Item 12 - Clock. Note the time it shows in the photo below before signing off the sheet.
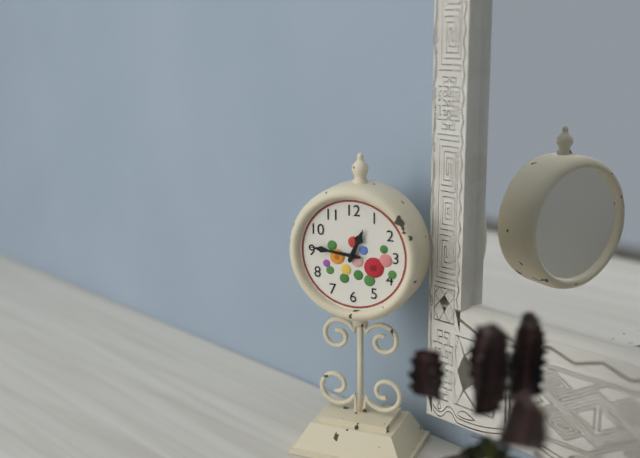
12:46
